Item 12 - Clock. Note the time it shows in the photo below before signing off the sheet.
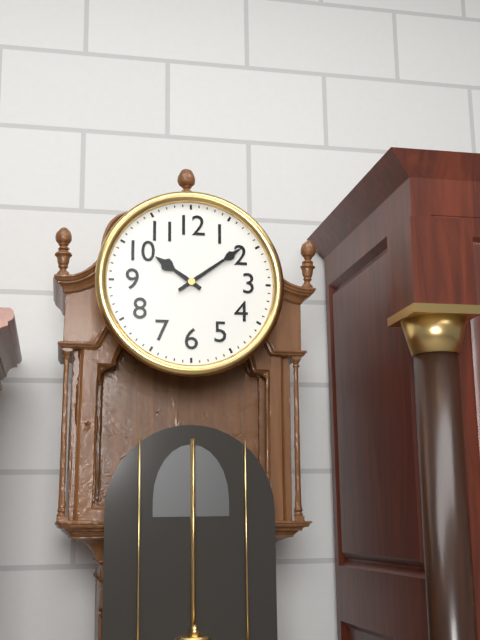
10:09
